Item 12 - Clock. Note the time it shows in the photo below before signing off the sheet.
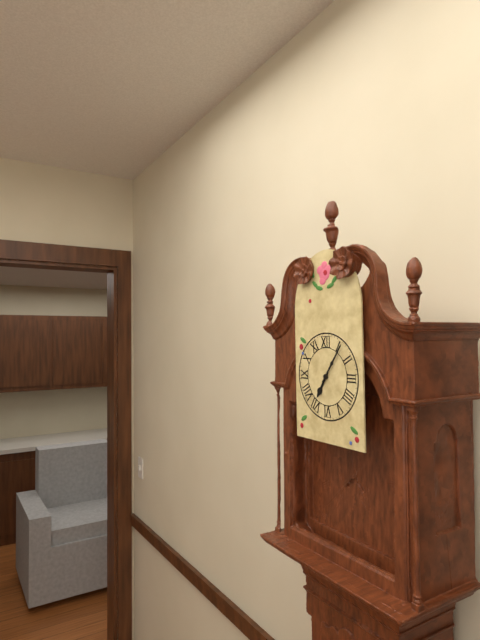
7:06
